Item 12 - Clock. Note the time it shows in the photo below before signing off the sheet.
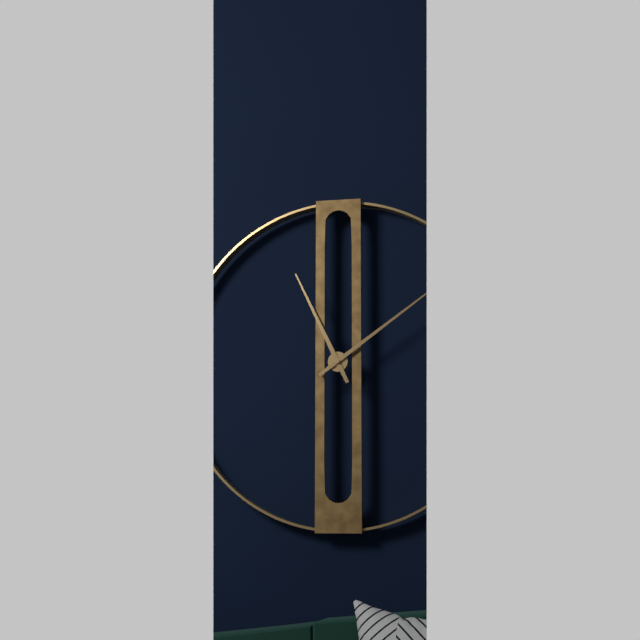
11:09
